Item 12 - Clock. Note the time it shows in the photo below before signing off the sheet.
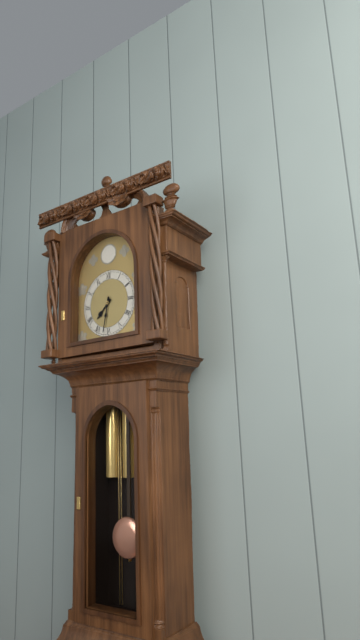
7:32
